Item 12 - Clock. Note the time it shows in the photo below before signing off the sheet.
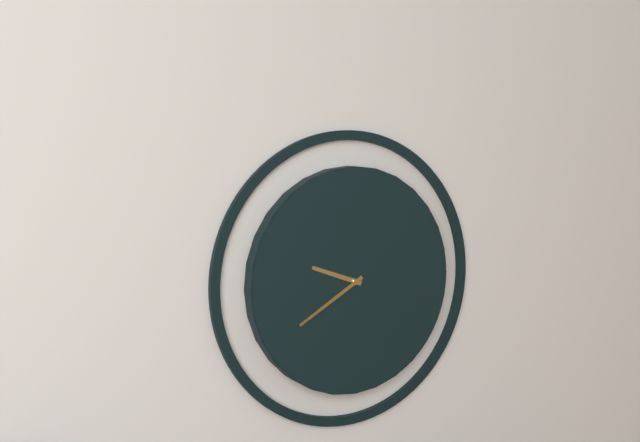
9:40
